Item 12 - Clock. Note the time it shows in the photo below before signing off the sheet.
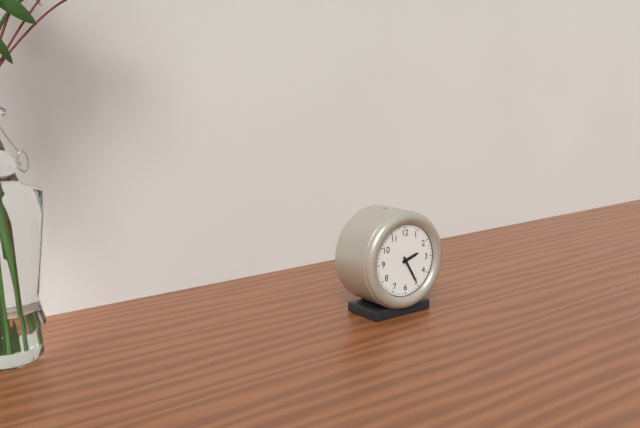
2:25
